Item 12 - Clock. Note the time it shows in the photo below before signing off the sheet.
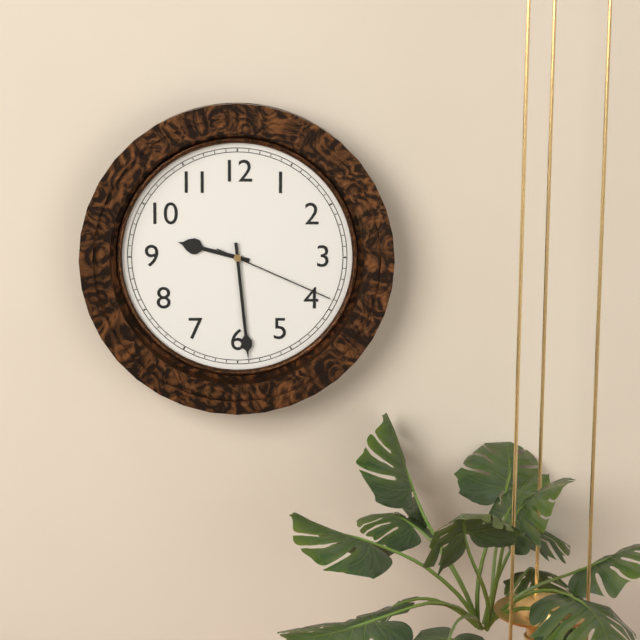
9:29:19
